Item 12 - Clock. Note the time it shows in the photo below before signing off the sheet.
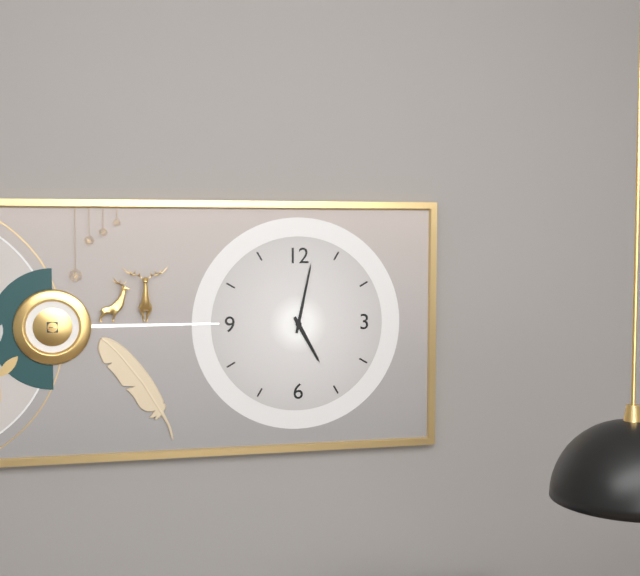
5:02
